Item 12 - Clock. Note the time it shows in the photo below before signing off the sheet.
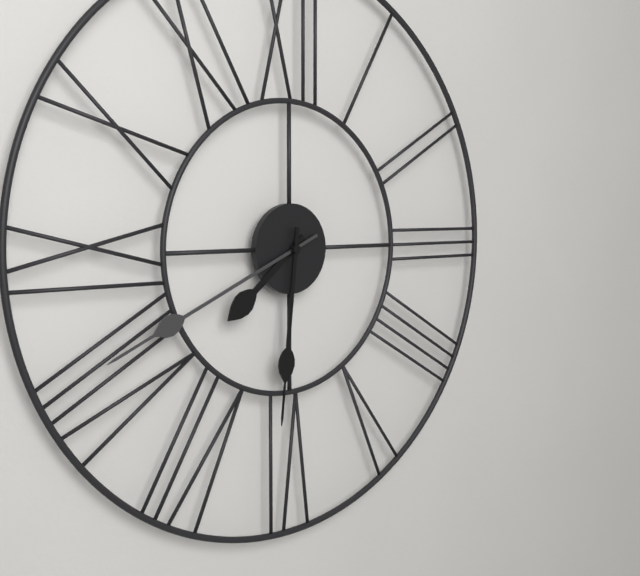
7:41:31
